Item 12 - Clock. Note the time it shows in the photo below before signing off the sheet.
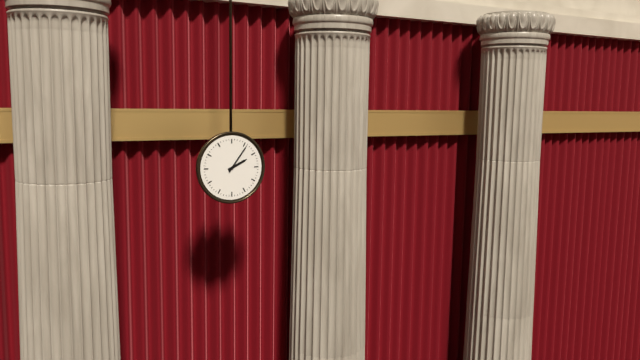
2:06
